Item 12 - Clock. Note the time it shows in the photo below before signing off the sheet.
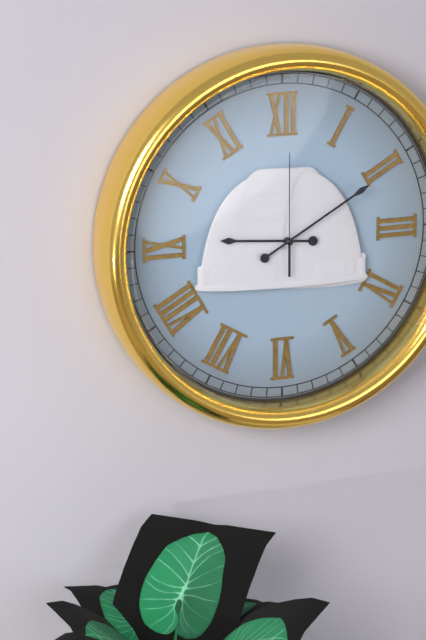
9:10:00
